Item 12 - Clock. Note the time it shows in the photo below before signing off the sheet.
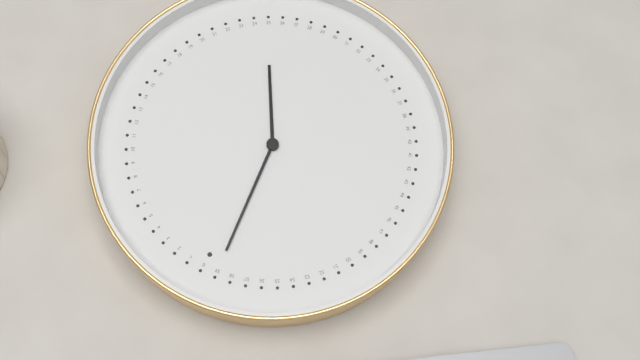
4:59
